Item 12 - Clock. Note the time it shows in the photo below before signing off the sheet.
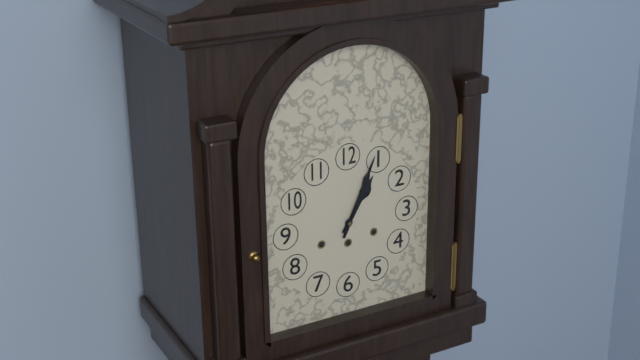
1:04
